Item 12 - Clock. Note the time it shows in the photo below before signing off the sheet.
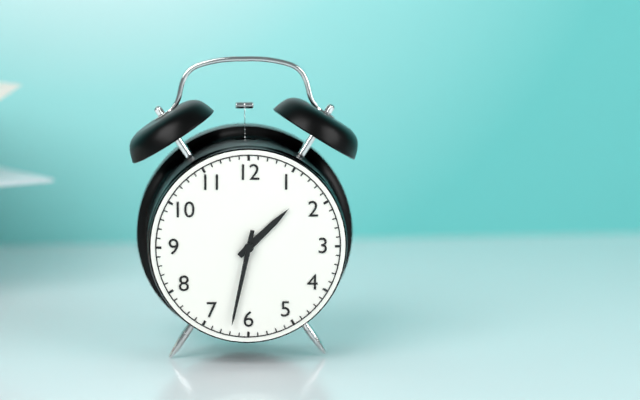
1:32
